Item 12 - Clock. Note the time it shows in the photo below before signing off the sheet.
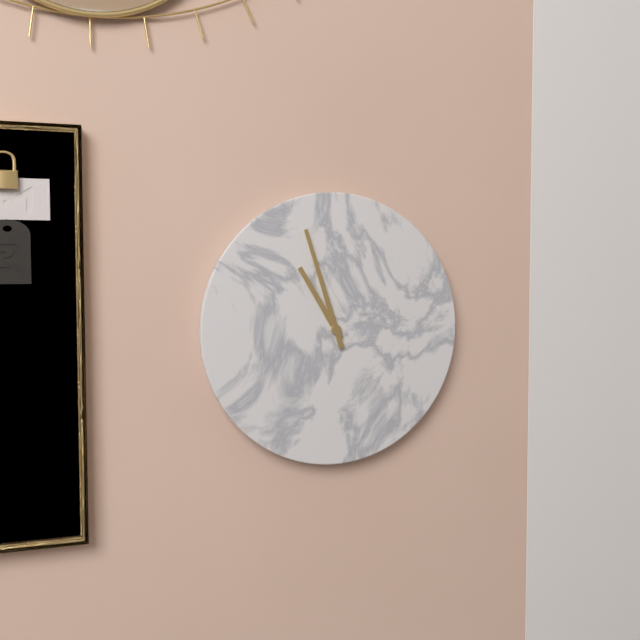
10:57
